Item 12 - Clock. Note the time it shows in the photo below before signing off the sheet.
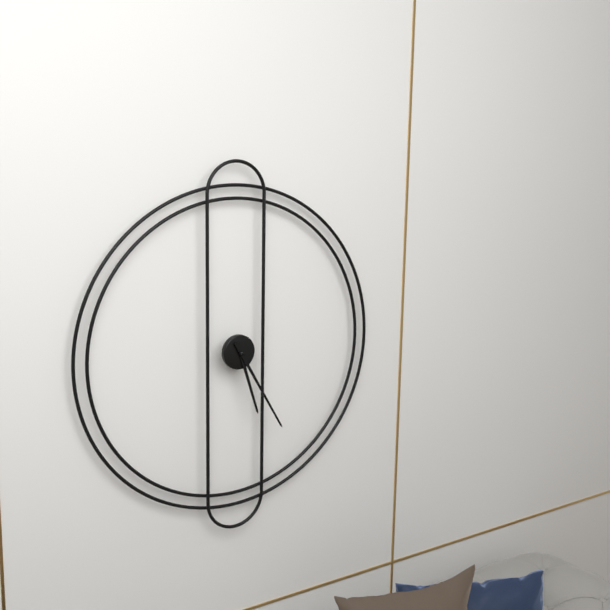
5:25
